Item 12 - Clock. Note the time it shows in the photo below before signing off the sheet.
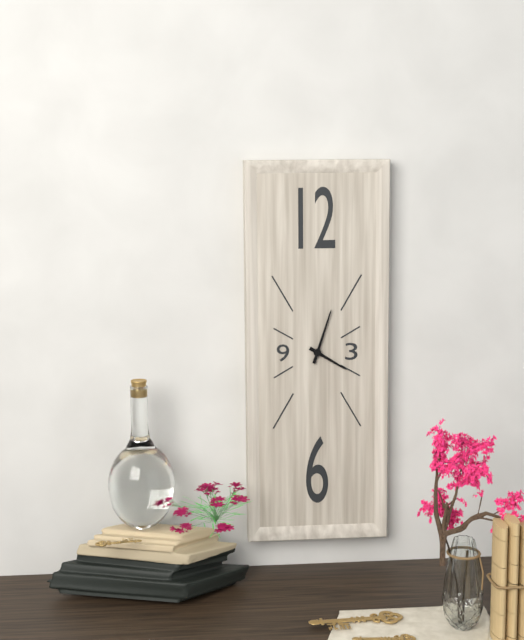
4:03
